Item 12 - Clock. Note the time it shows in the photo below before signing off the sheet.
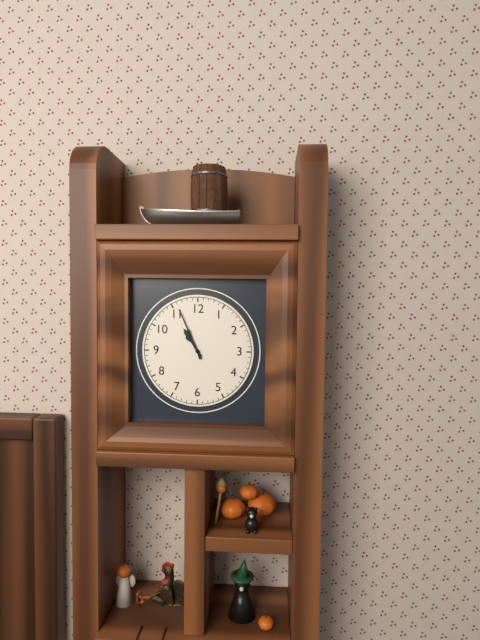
10:56
